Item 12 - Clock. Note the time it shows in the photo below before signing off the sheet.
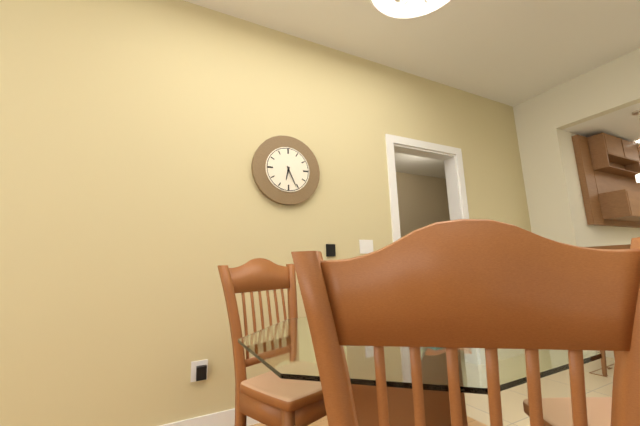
6:26
